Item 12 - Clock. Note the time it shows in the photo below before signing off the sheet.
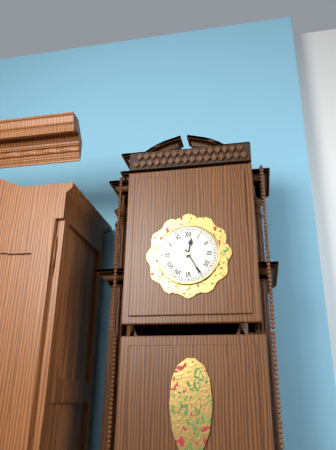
12:25
